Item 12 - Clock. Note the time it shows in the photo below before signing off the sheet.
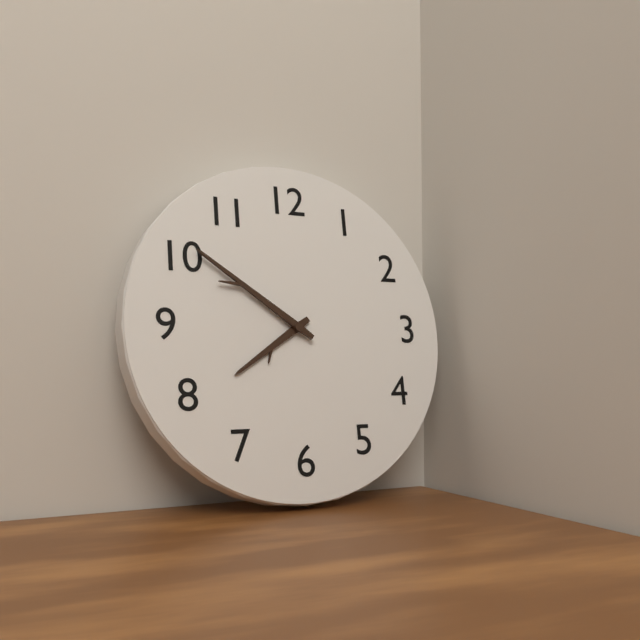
7:51
